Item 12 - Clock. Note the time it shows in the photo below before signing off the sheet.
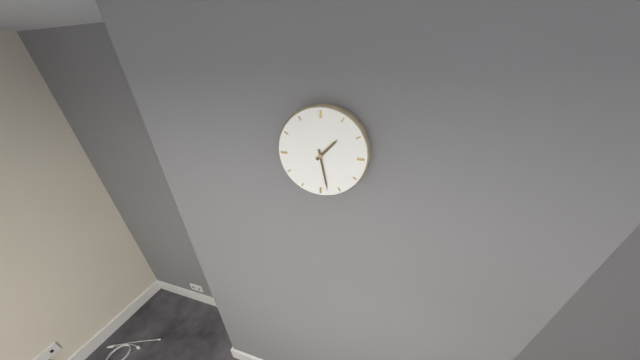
1:28
